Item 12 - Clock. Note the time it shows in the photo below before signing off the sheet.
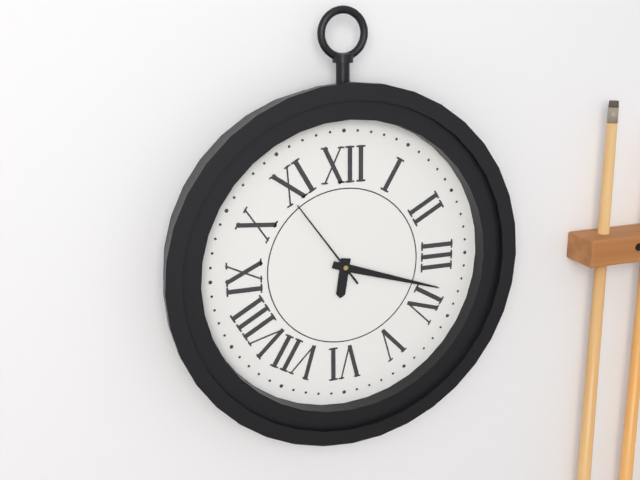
6:18:54
